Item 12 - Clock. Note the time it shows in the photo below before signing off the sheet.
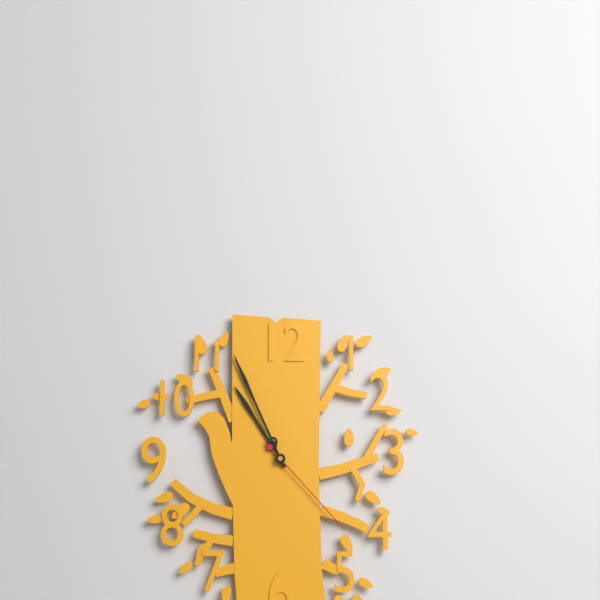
10:56:23
